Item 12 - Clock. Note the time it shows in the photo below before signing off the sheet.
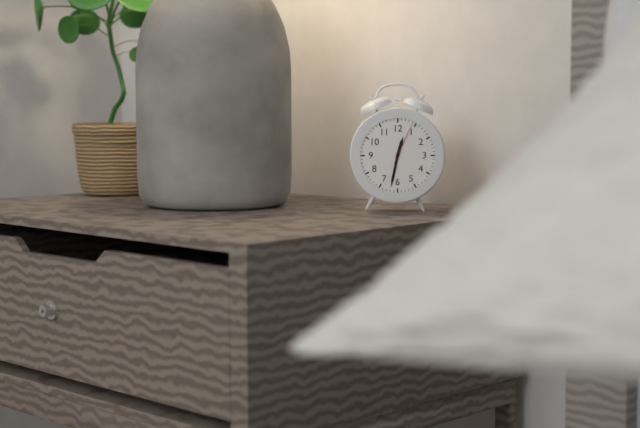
12:32
